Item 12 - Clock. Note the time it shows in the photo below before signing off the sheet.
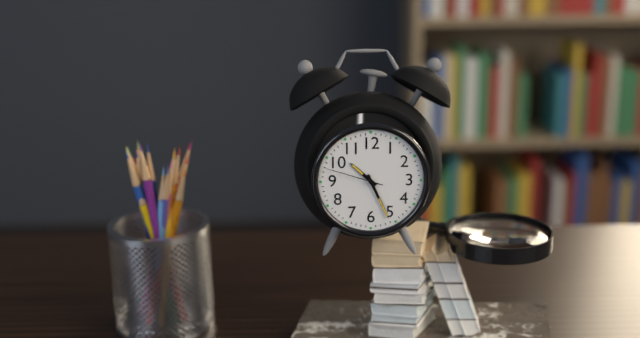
10:26:48
